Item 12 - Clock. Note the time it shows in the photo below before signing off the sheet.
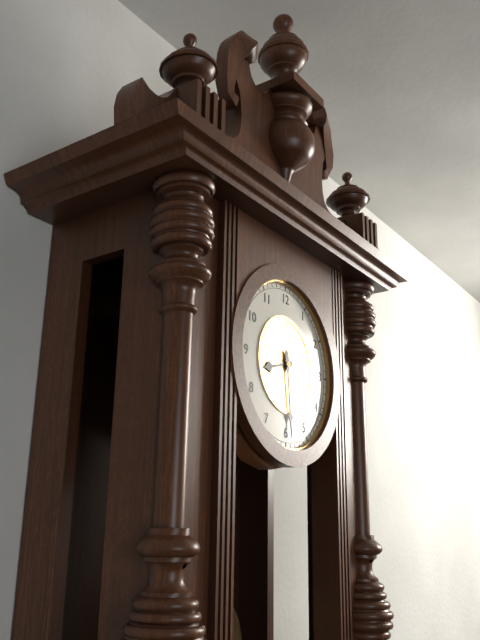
8:29
